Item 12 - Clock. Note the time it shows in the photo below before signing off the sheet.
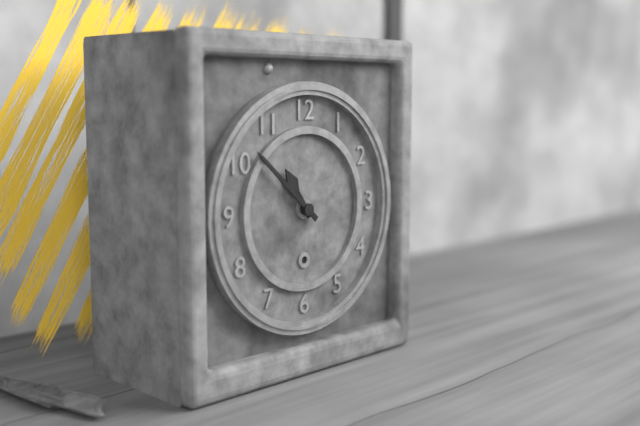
10:52
